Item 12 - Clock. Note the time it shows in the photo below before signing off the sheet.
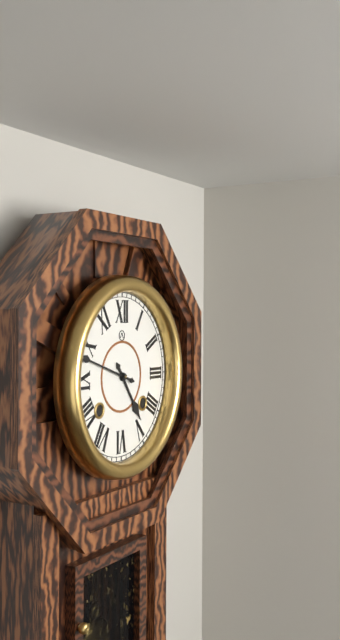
4:48
